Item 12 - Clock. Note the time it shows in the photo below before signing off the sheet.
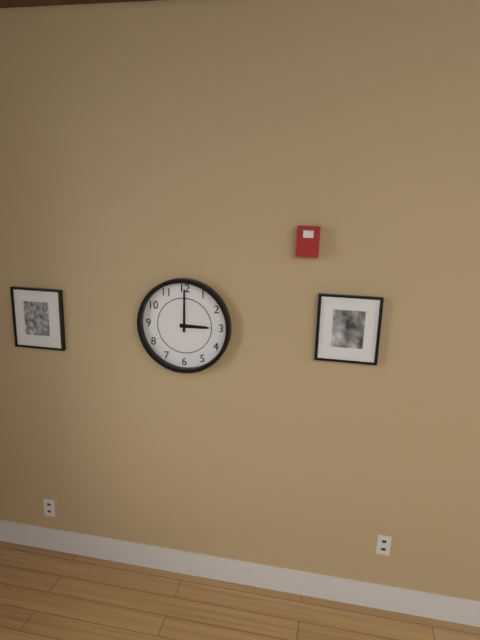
3:00
